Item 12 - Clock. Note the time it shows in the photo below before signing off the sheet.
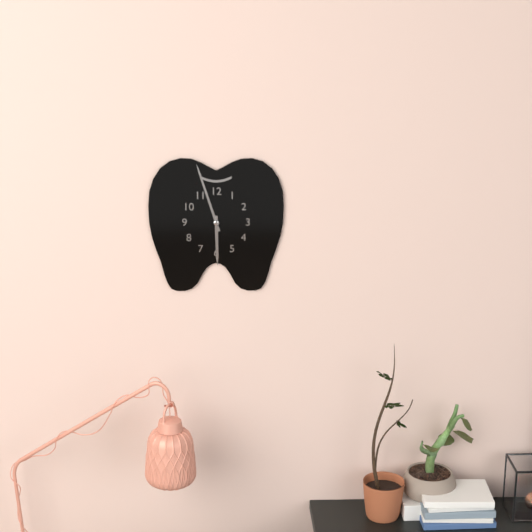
5:57
